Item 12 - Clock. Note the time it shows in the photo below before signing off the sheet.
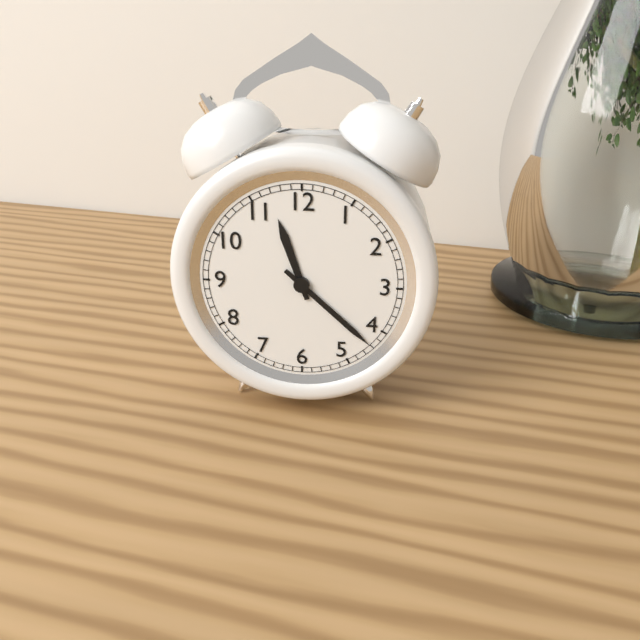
11:22
